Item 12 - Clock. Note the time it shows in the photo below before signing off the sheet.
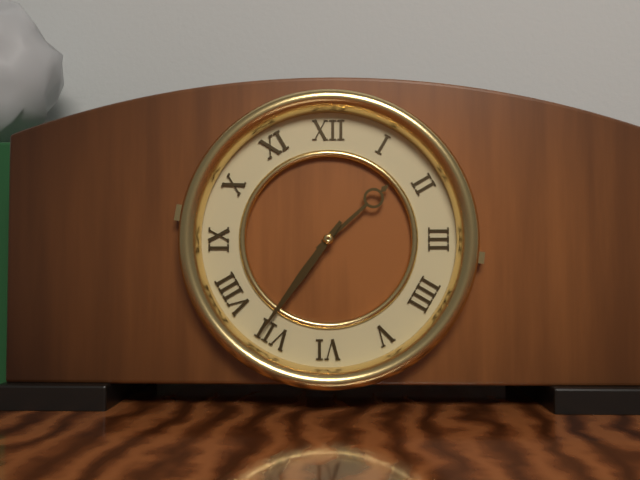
1:36
